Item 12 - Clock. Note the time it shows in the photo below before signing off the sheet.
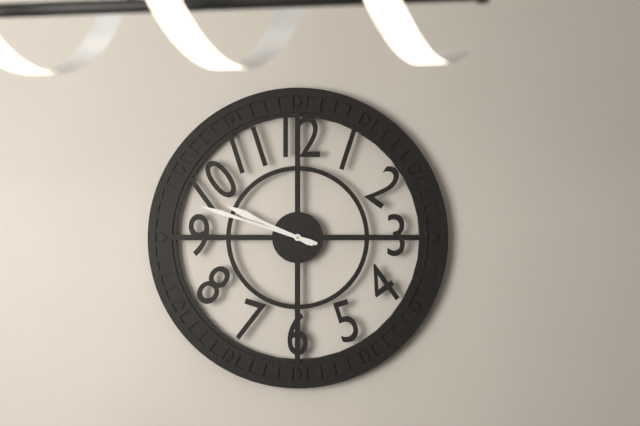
9:48
